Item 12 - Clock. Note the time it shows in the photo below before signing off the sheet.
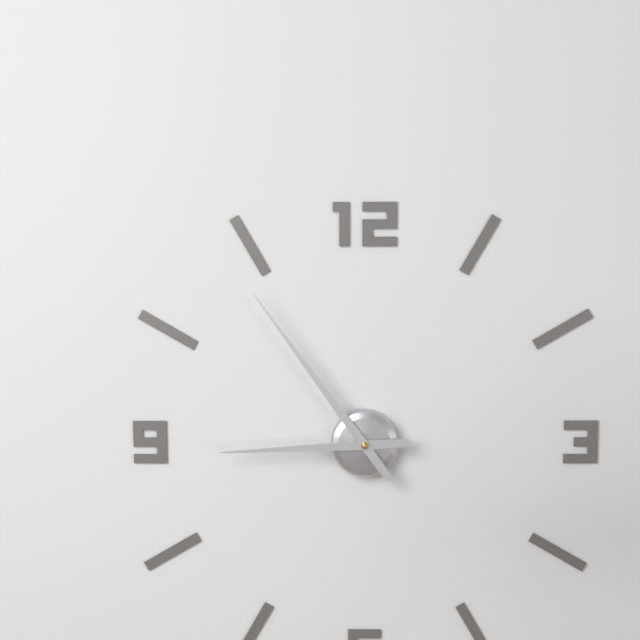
8:54
